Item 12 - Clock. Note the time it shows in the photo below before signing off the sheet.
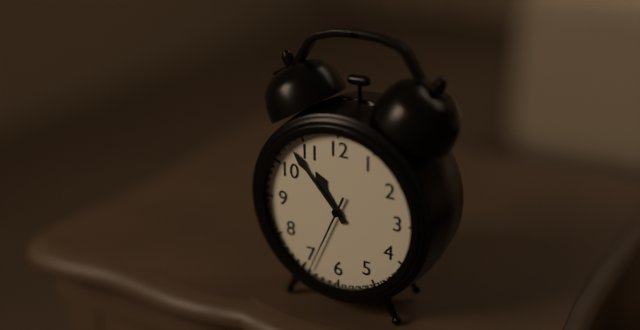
10:53:34
